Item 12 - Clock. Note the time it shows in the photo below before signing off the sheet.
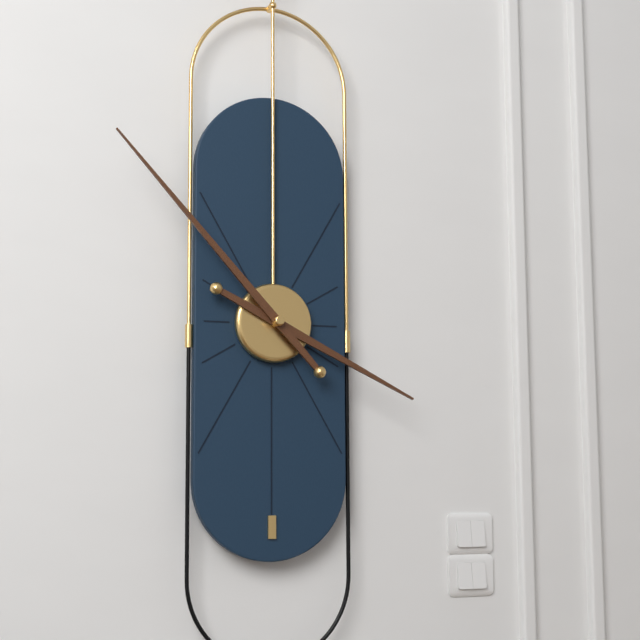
3:53
